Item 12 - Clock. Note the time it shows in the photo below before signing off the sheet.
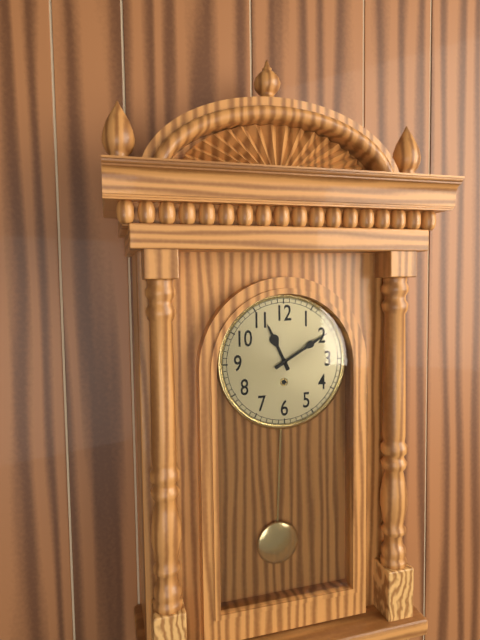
11:10
